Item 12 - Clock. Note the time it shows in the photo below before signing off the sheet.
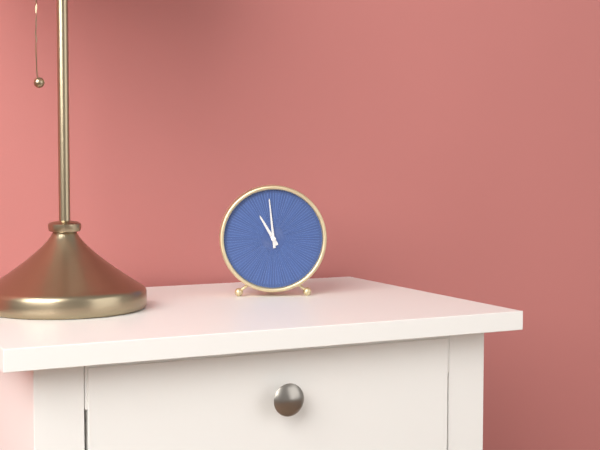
10:59
